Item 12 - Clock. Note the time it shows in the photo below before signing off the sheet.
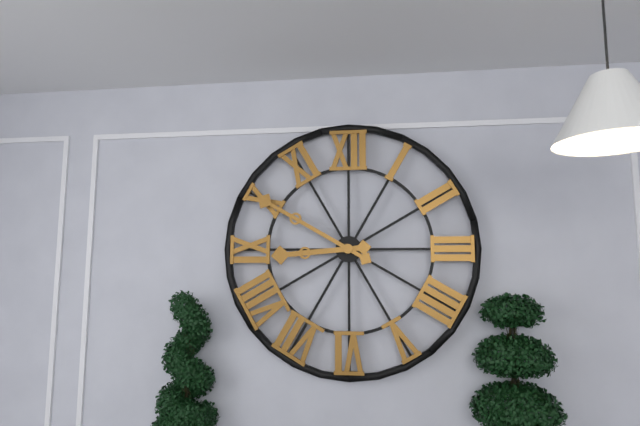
8:50
